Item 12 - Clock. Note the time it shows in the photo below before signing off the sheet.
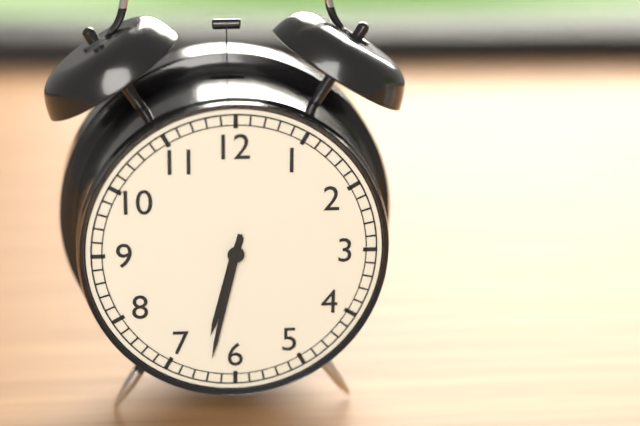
6:32
